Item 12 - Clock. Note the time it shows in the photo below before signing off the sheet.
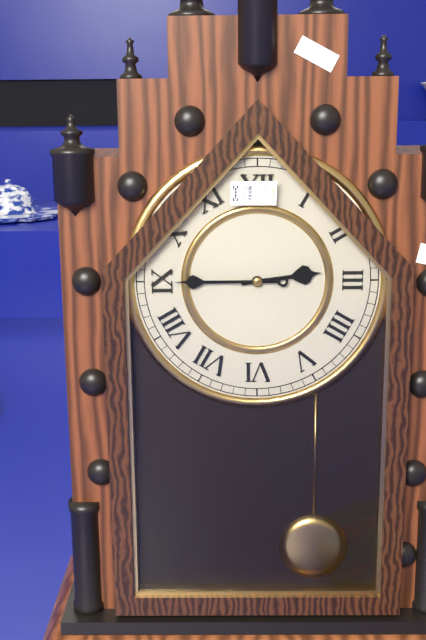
2:45
